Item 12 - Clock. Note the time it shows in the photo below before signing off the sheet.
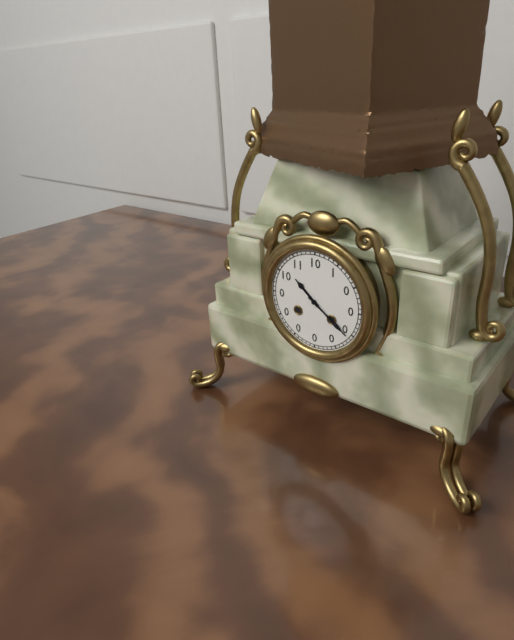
10:21
